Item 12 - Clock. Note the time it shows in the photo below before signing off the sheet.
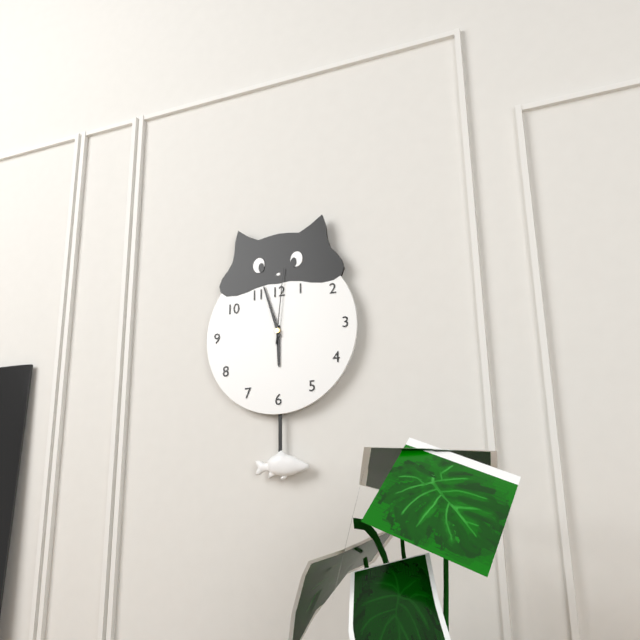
5:57:01
